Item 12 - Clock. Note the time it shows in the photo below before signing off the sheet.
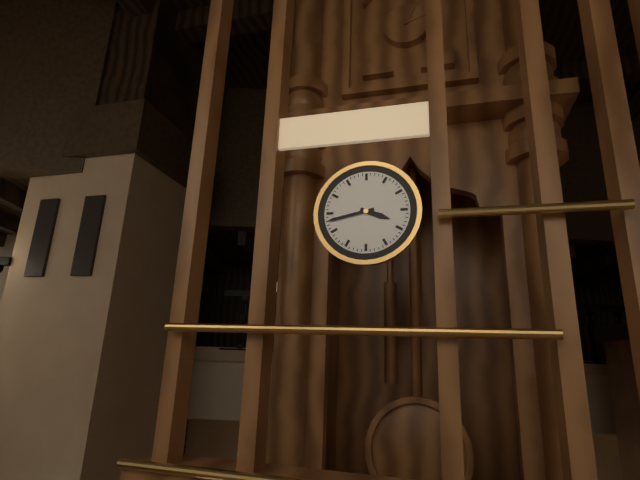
3:43
